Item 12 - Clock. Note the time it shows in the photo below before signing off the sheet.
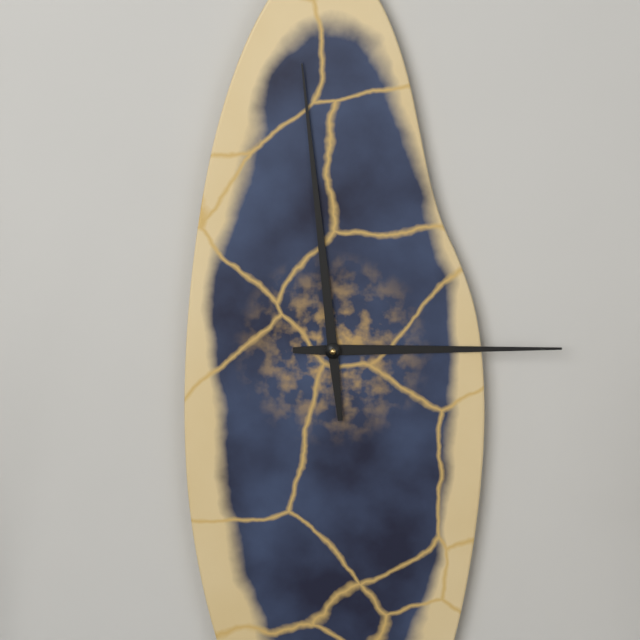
2:59
